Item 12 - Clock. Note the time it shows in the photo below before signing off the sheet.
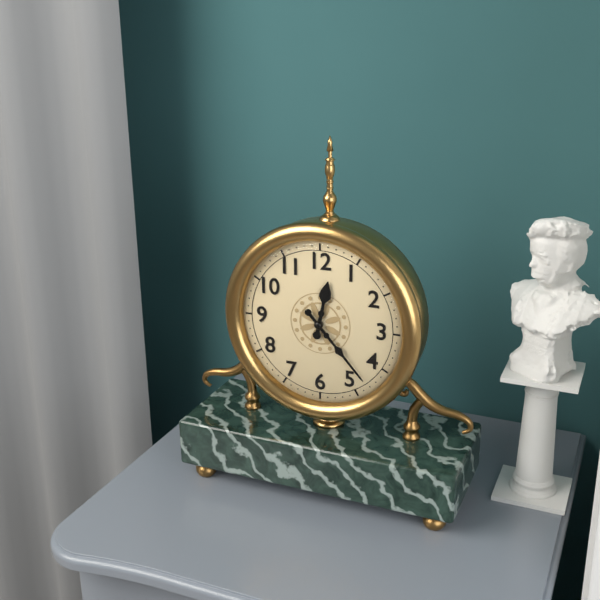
12:23
